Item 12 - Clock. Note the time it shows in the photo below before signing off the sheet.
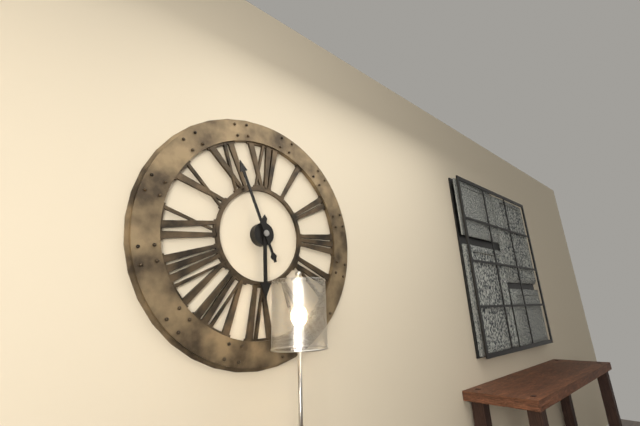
5:56
